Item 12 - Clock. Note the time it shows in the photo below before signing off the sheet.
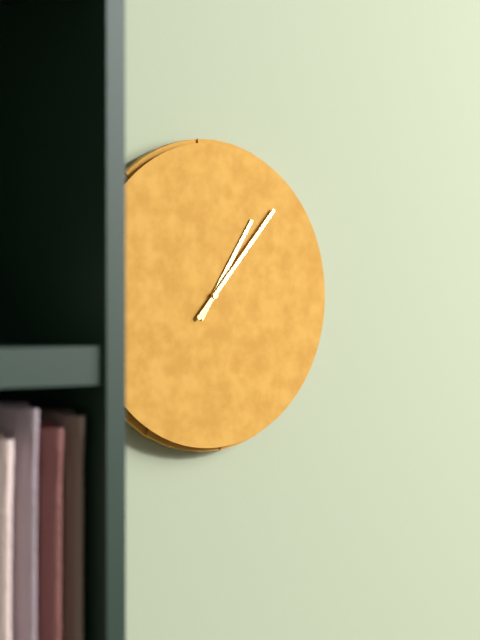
1:07
